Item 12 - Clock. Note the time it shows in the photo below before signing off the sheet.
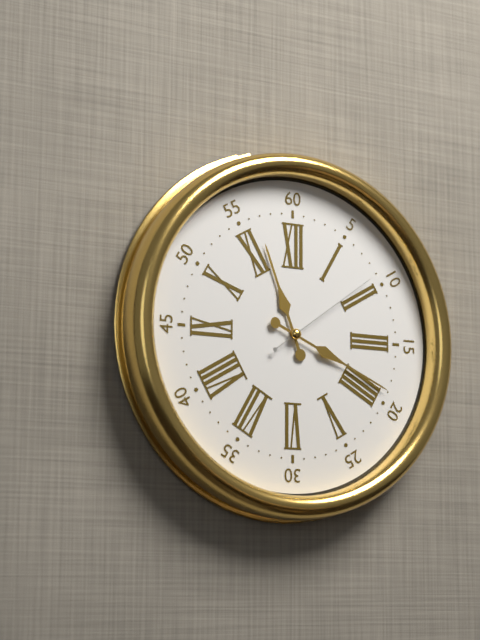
11:19:09
